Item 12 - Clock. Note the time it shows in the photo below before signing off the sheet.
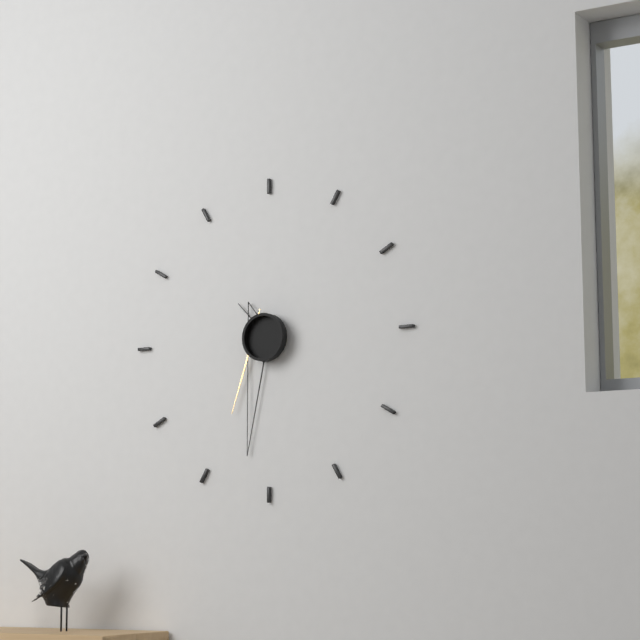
10:32:35
